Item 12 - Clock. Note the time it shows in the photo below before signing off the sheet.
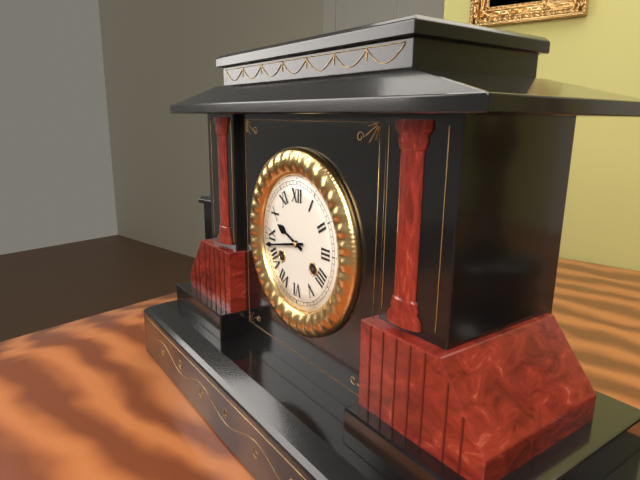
9:43
